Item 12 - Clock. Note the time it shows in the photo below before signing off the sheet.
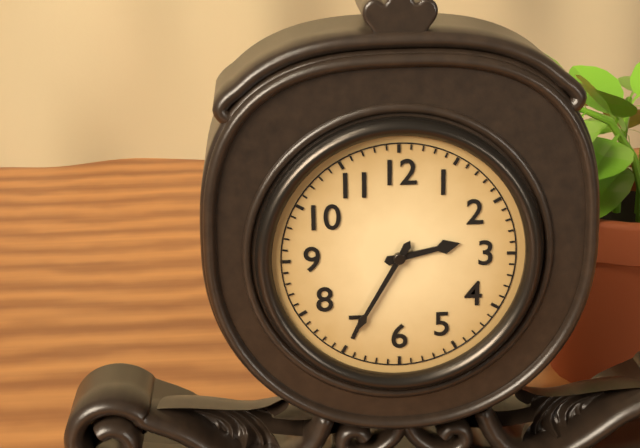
2:35
